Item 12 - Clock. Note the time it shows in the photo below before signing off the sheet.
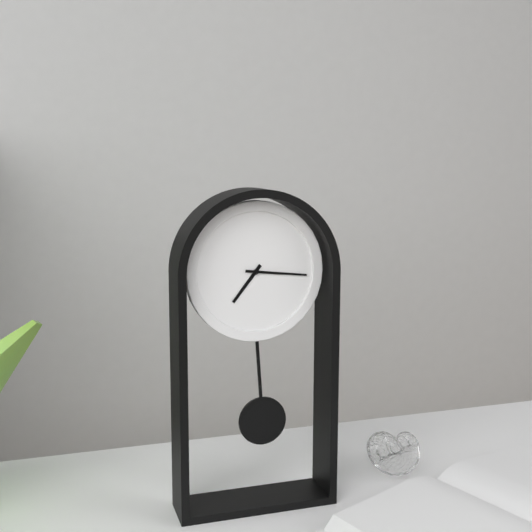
7:16
